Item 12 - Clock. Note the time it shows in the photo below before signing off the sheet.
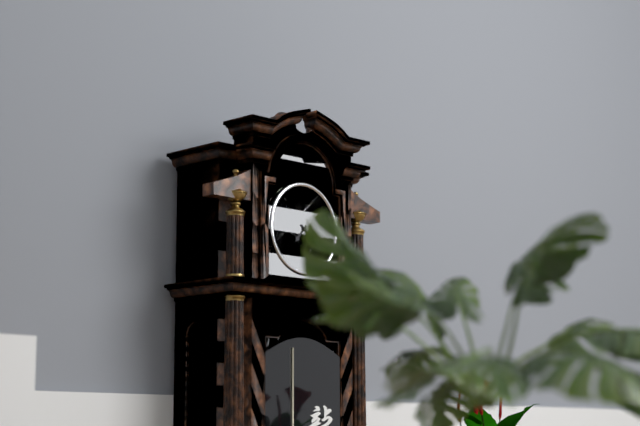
7:22
